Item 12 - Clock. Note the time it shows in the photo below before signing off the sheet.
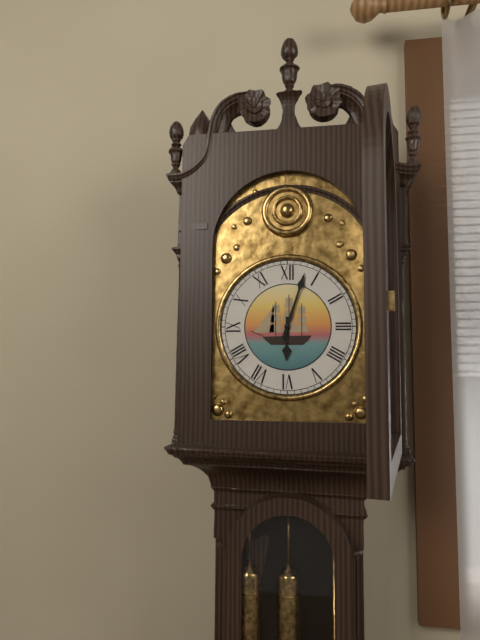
6:03
